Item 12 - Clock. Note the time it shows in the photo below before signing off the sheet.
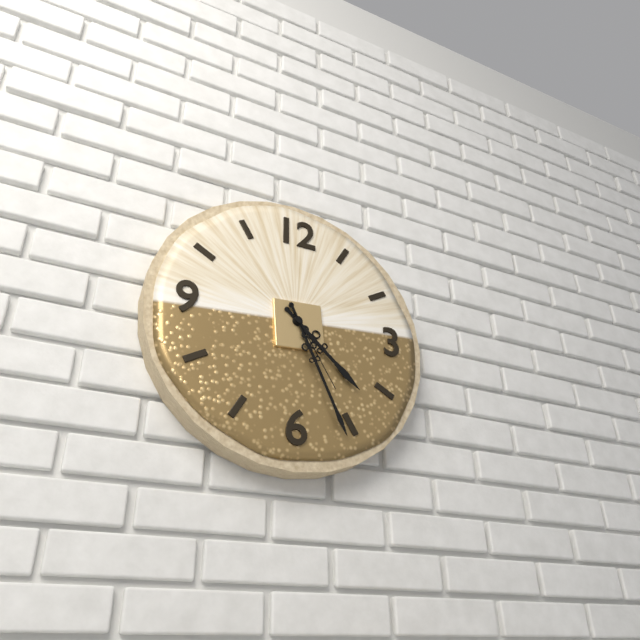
4:26:25
